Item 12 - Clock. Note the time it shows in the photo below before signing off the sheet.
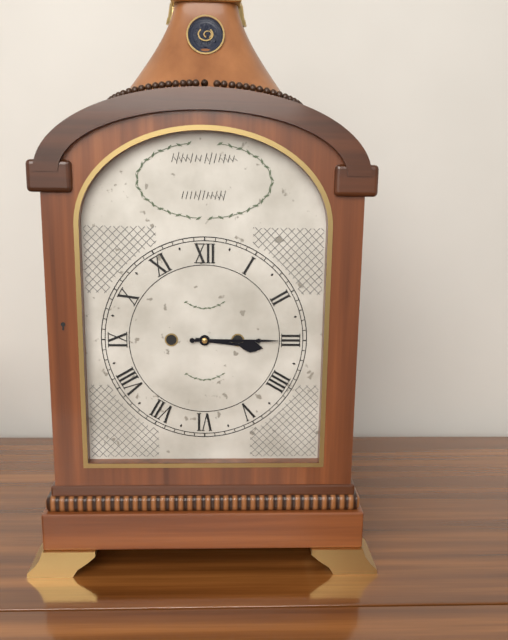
3:15
